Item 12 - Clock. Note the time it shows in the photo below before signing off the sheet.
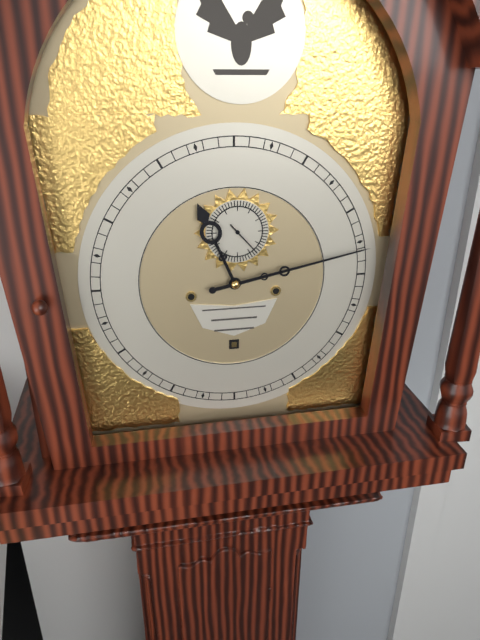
11:13
